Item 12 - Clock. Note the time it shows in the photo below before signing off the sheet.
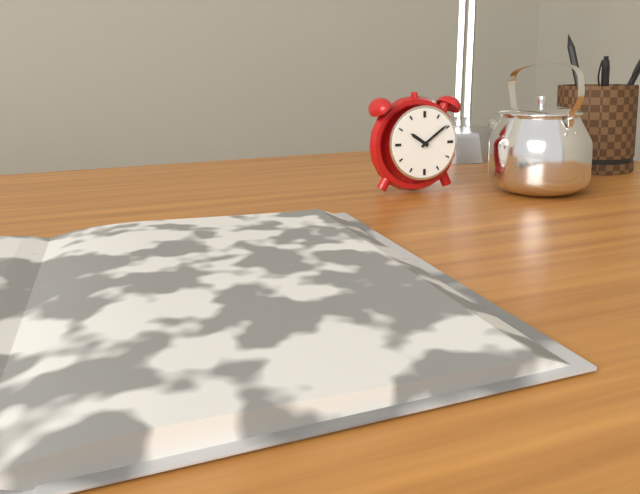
10:09
